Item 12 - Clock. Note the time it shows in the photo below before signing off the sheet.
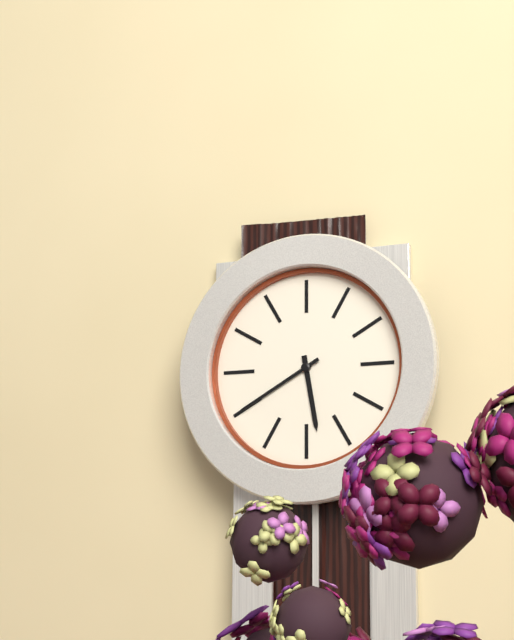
5:40
